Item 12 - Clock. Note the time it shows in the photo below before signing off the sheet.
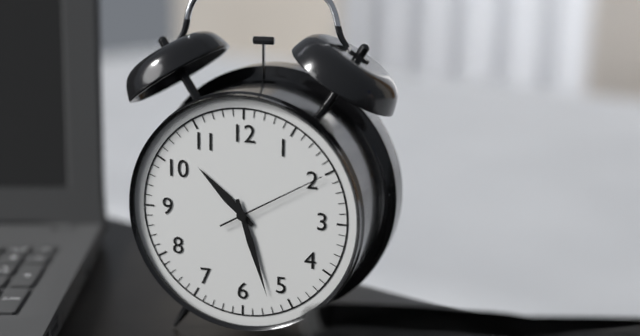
10:27:10
